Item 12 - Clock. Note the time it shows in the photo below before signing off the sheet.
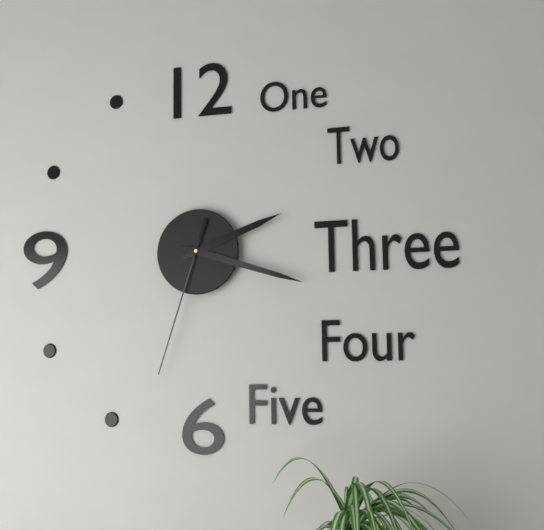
2:18:33
